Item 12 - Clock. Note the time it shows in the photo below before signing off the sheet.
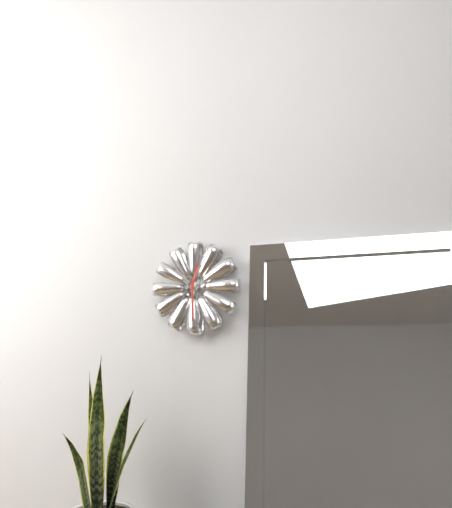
12:30
